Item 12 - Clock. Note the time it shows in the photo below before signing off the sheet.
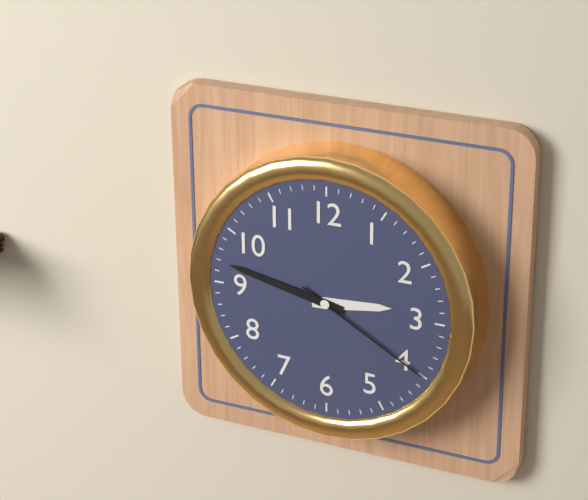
2:47:20
